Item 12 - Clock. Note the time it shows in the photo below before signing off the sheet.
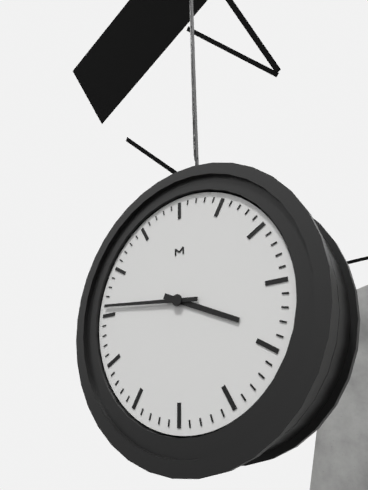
3:46
